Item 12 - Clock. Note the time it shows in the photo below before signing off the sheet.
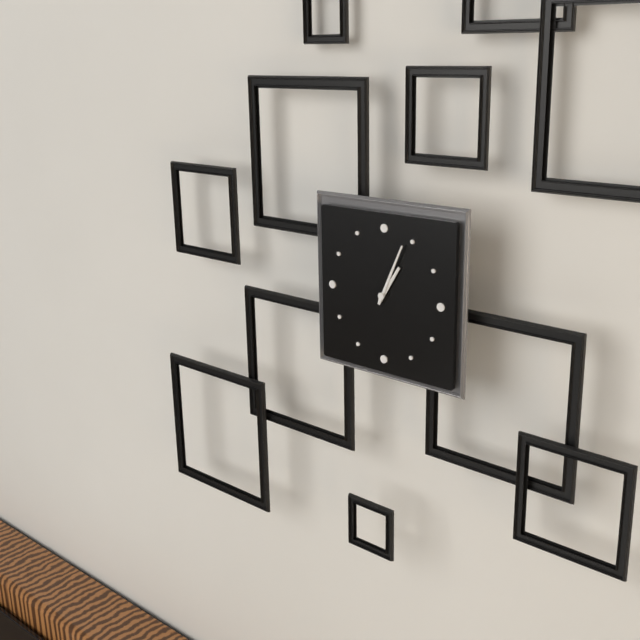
1:04
